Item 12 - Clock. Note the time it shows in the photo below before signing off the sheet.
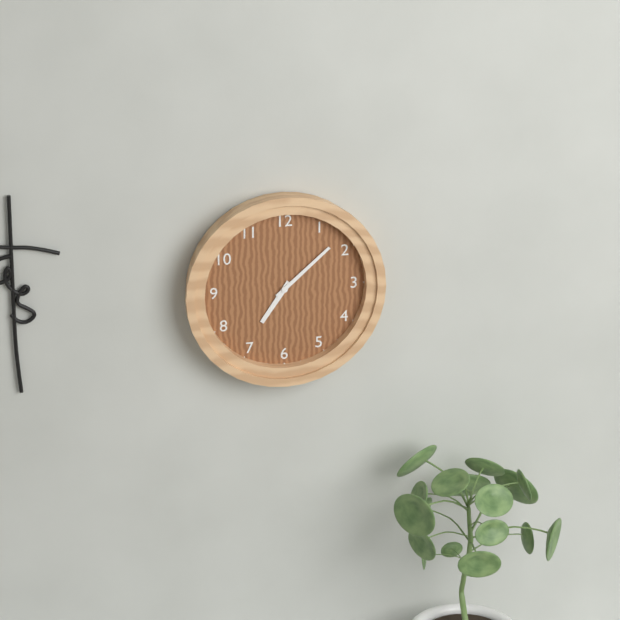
7:08
